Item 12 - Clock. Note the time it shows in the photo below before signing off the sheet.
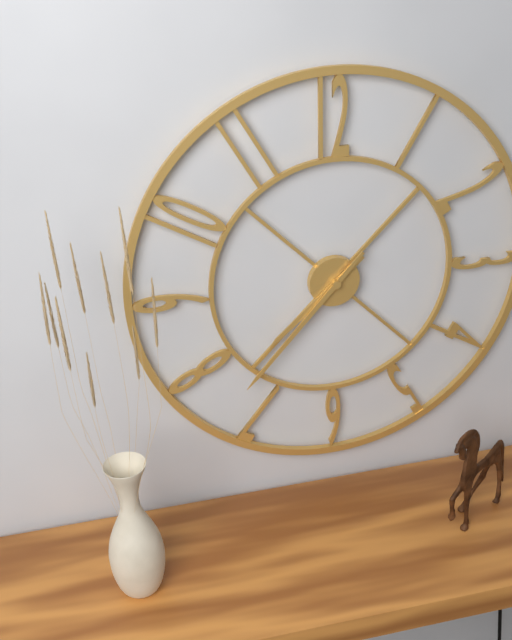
7:37
